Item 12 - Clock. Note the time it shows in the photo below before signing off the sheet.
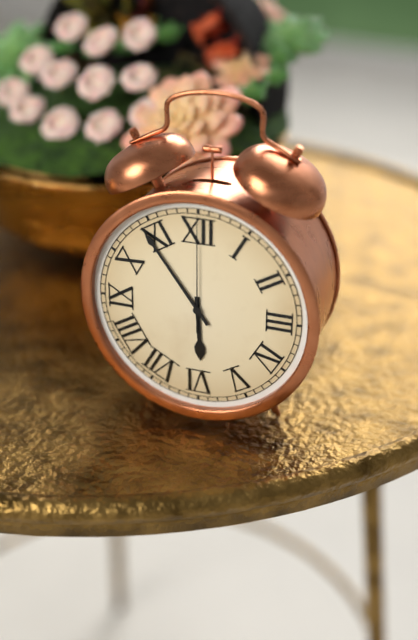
5:54:00
